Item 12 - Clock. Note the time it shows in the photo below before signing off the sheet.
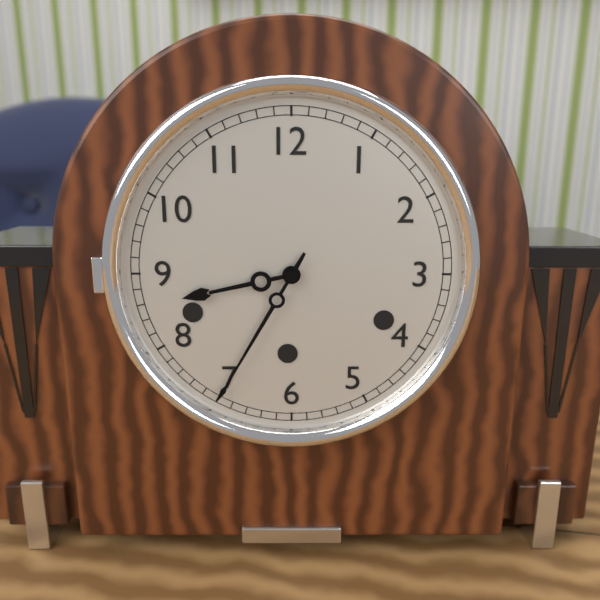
8:35
